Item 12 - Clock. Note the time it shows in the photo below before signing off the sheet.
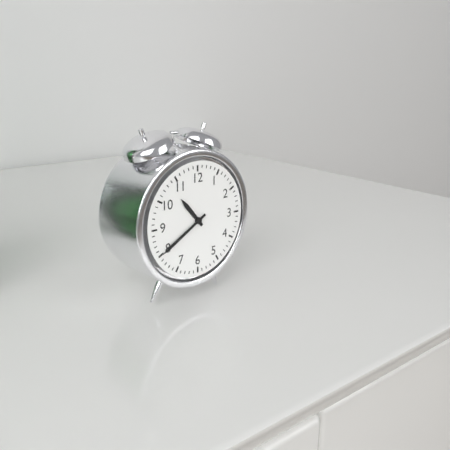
10:40
